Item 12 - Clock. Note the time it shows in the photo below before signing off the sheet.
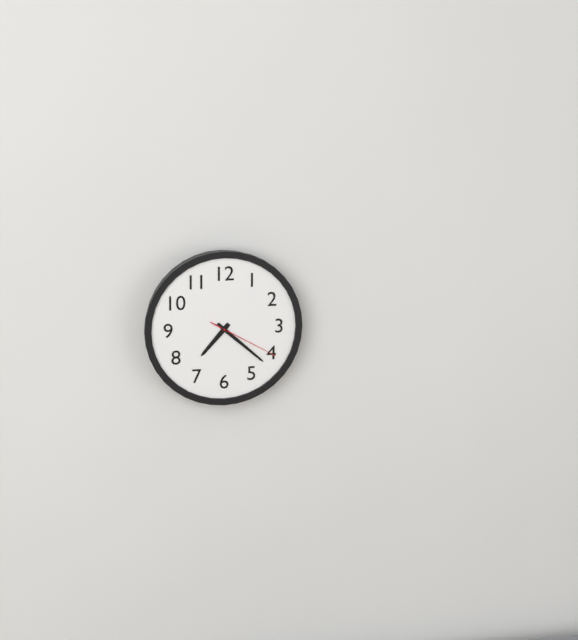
7:22:20
